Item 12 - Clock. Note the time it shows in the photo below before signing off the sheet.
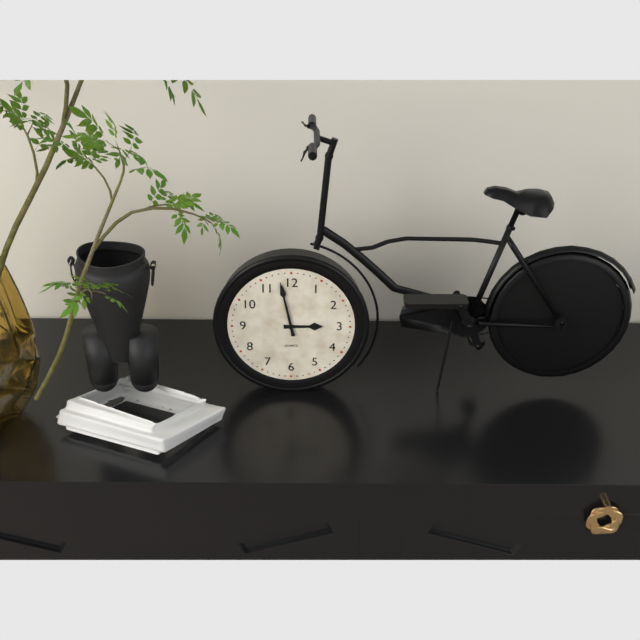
2:58
